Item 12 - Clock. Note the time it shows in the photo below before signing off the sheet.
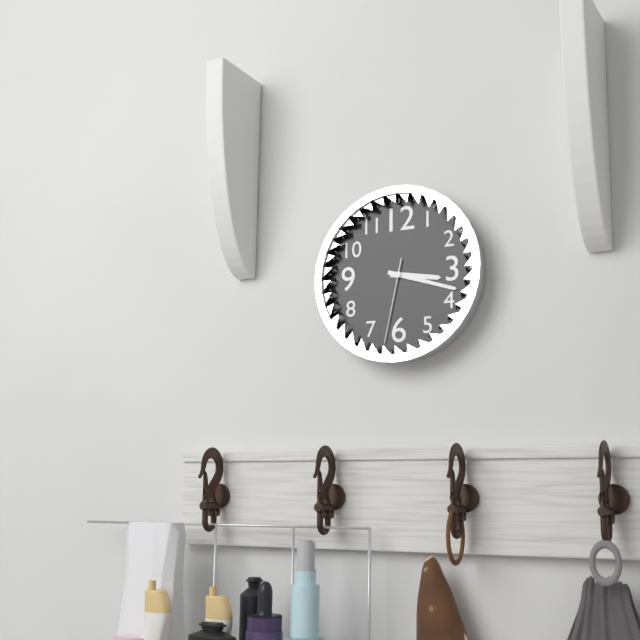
3:18:32
